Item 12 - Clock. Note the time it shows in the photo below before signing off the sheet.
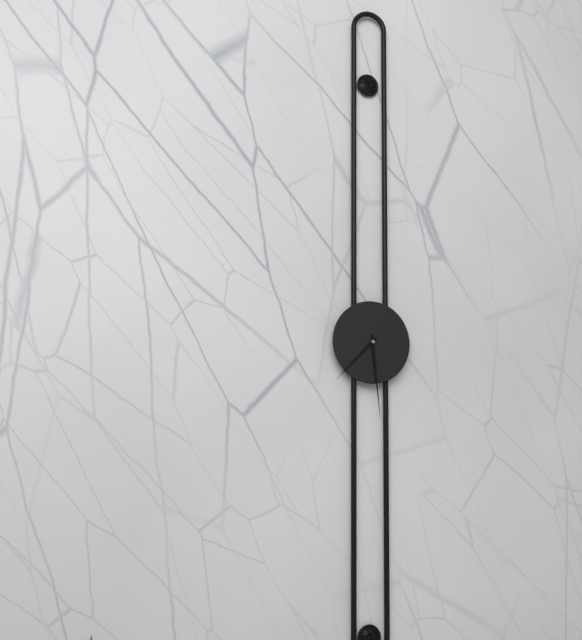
7:29
